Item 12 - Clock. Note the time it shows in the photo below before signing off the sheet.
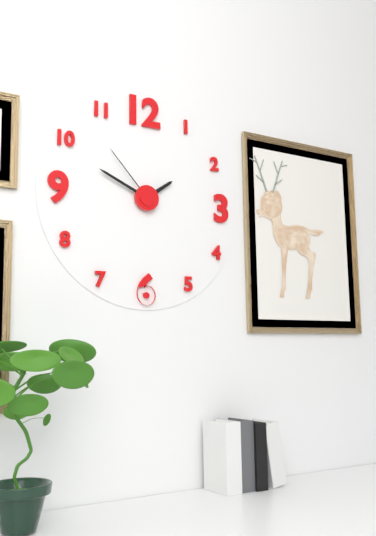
1:49:53
